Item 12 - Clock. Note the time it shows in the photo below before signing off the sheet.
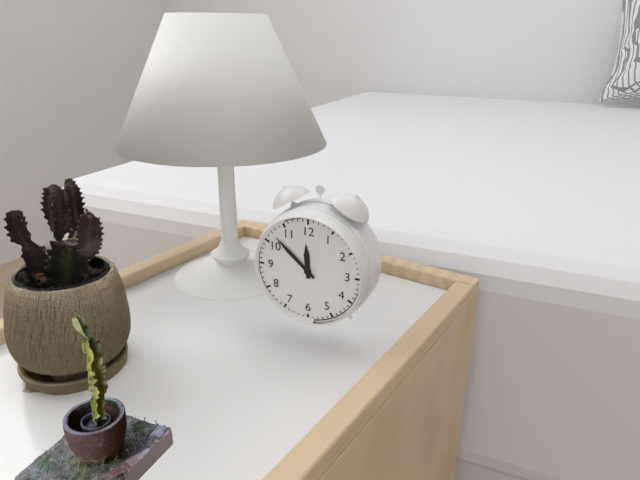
11:52
